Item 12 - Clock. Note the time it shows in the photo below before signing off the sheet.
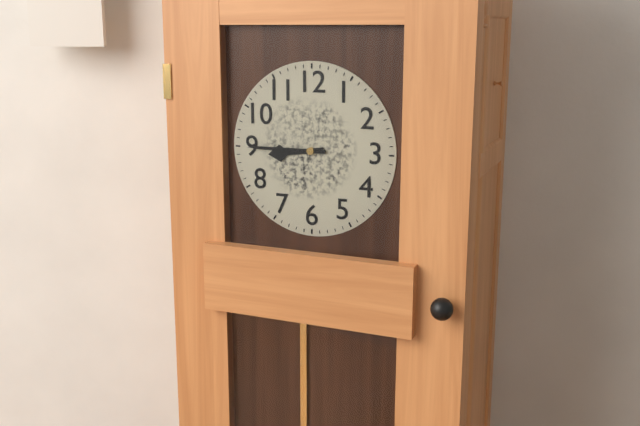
8:45
